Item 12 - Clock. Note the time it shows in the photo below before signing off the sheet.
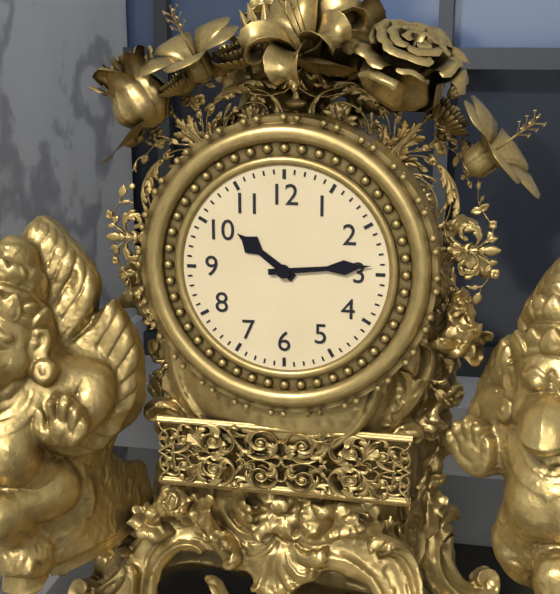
10:14
